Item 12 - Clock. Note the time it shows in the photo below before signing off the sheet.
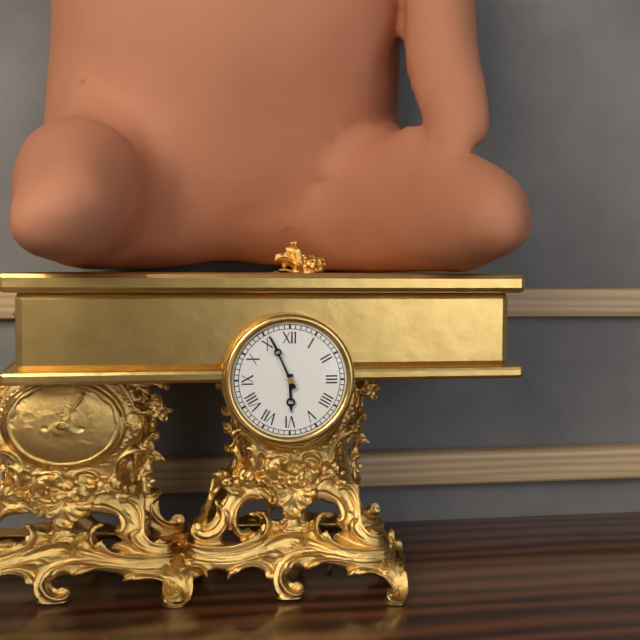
5:56
